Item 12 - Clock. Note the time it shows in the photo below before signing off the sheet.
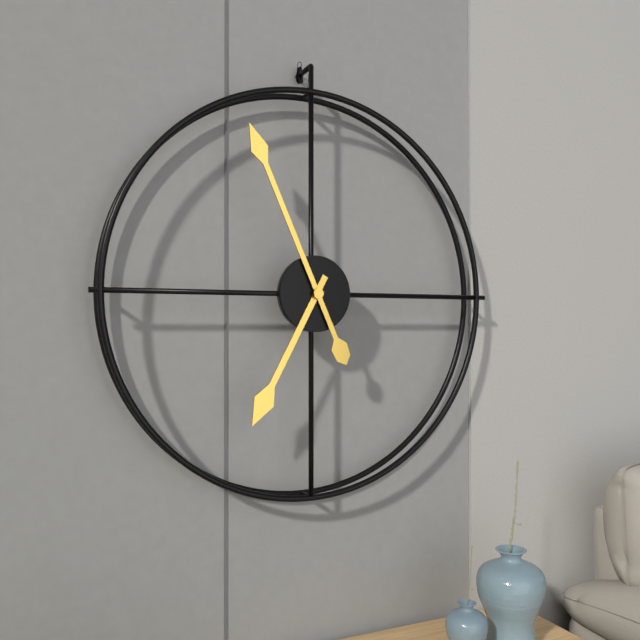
6:56
